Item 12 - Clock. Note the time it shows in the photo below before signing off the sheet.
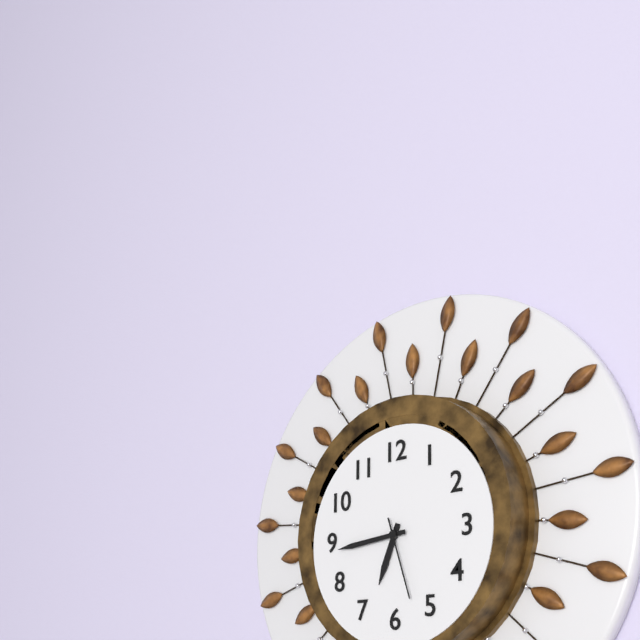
6:44:27
